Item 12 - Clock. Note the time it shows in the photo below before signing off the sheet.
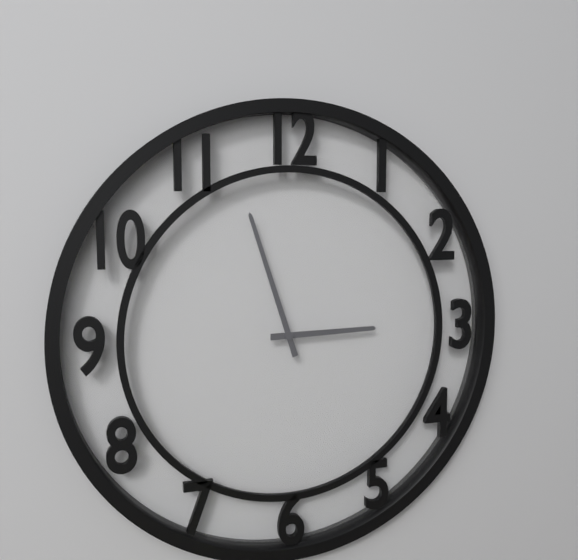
2:57
